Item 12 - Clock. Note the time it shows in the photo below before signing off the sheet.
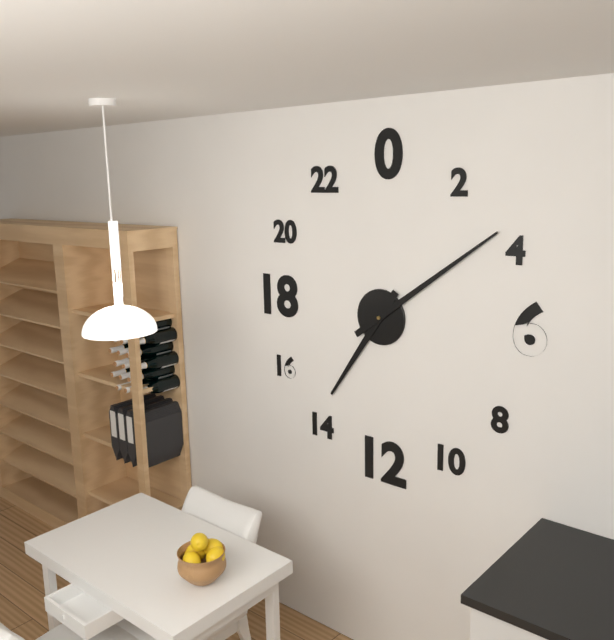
7:09
